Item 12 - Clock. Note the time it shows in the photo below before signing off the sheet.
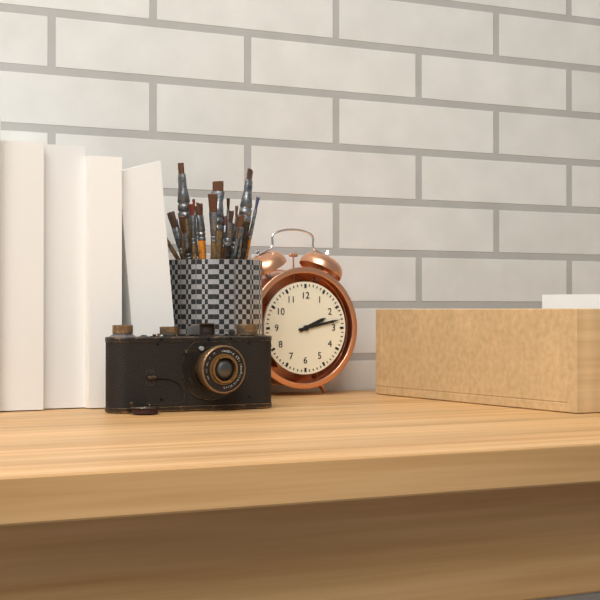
2:13
